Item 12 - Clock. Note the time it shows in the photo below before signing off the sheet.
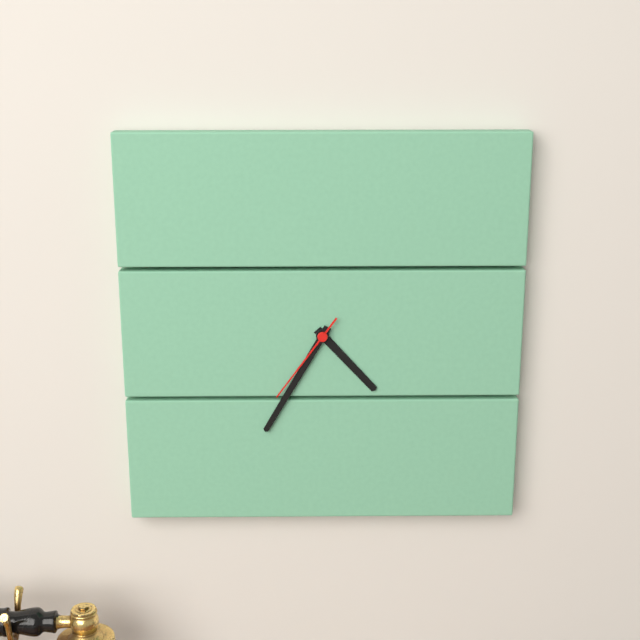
4:35:36
